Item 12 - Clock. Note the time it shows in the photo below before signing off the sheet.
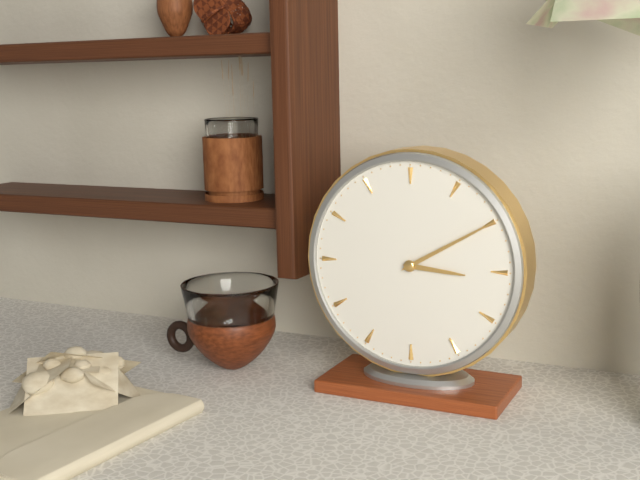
3:10
